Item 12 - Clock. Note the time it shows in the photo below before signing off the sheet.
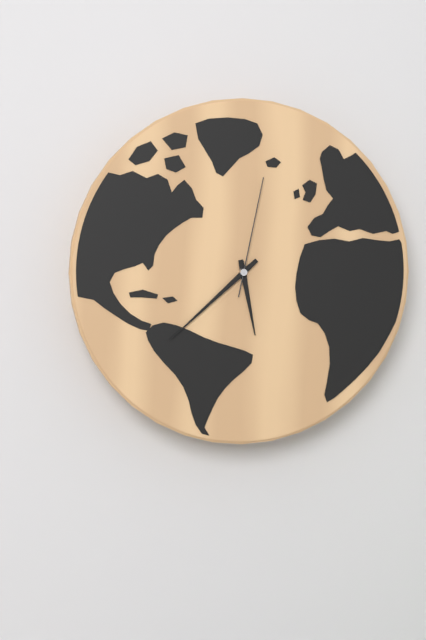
5:38:02
